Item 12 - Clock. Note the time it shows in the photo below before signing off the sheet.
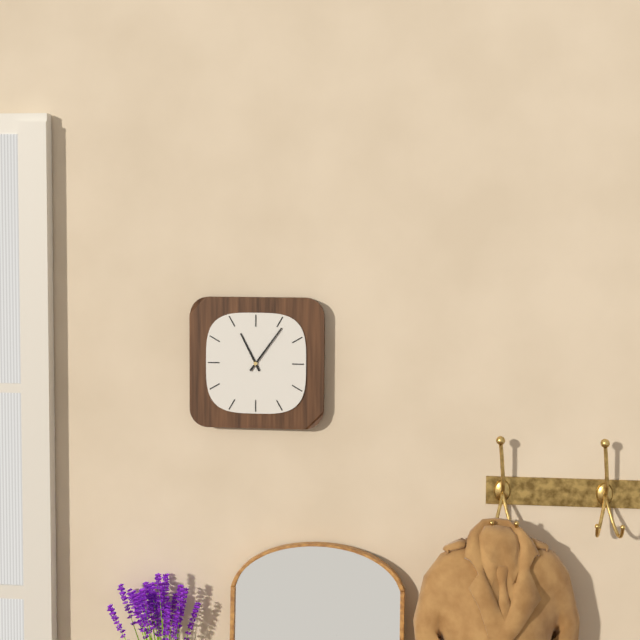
11:06
